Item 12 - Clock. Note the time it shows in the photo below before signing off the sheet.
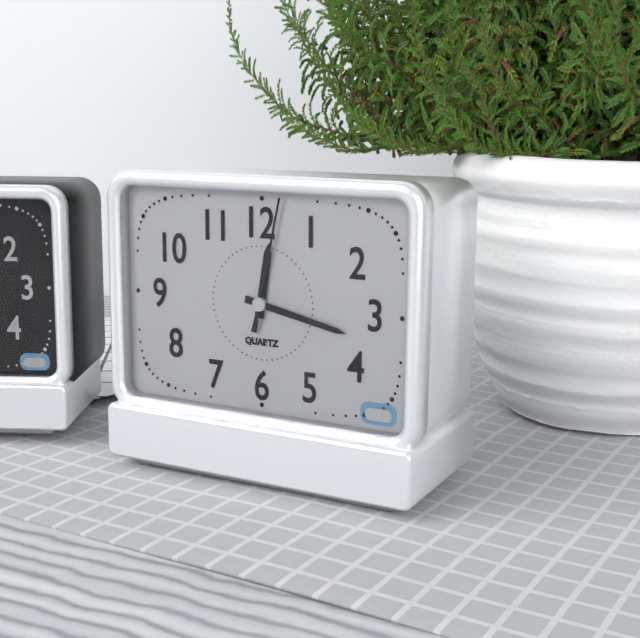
12:17:02
